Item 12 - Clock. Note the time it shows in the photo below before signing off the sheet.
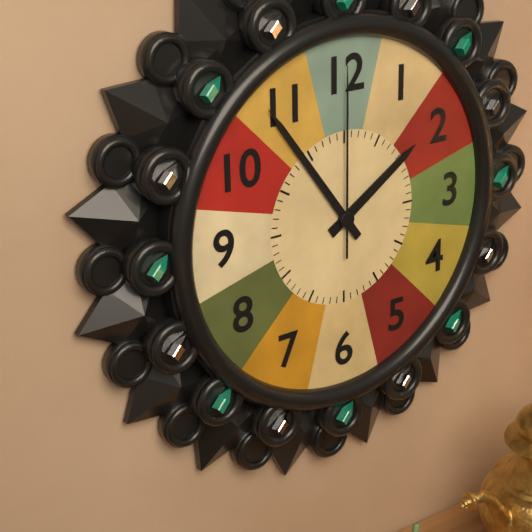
1:54:00
